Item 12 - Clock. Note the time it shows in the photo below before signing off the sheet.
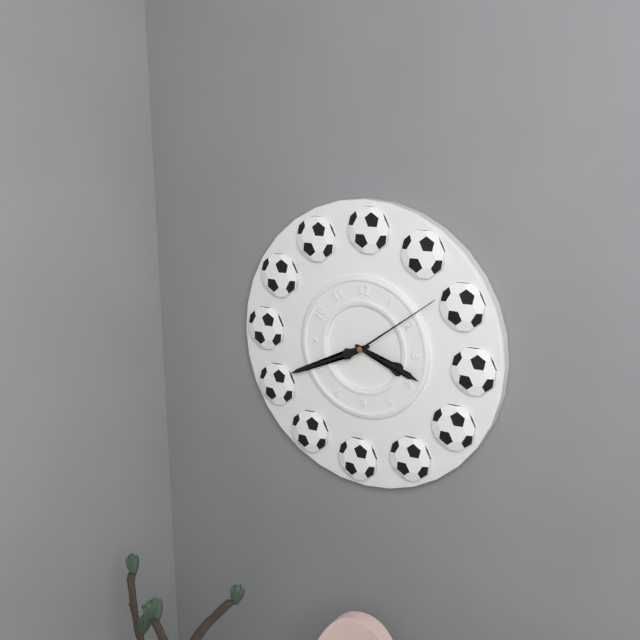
3:41:09
